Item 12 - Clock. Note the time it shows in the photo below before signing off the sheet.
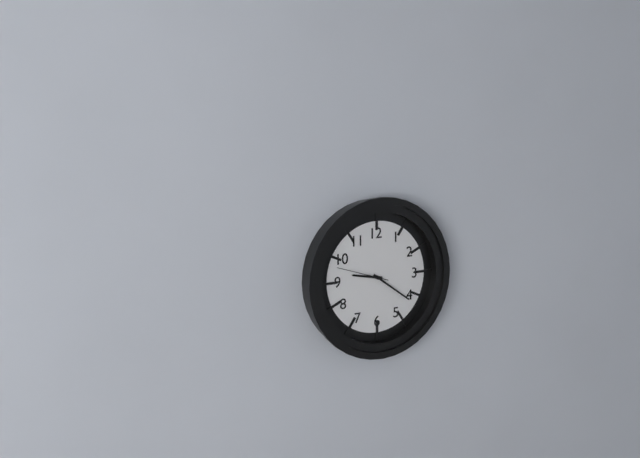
9:21:48
